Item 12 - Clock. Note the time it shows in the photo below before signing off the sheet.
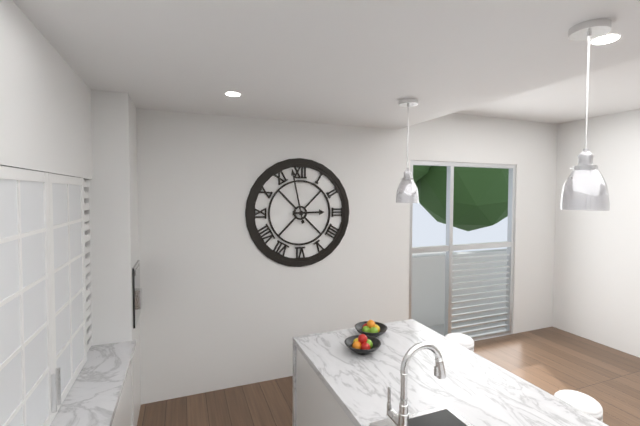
2:58
